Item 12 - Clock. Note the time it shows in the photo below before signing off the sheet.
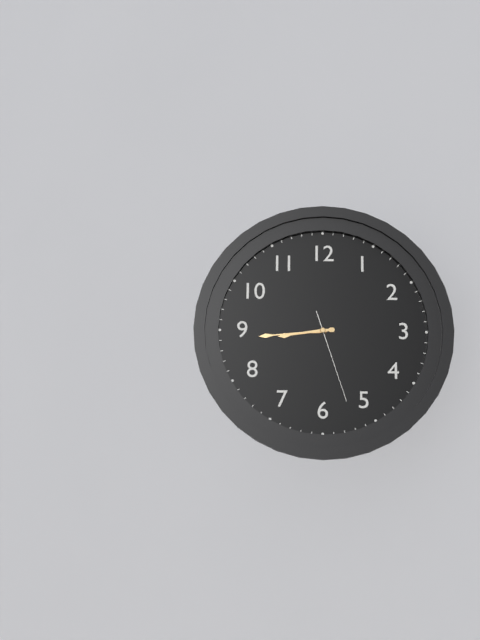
8:44:27
